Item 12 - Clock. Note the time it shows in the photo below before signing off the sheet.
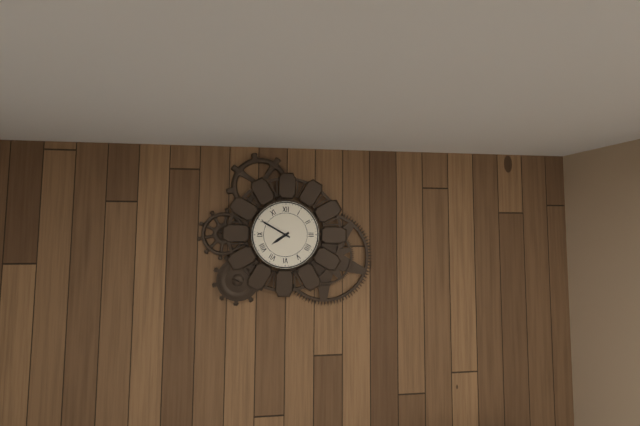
7:50
